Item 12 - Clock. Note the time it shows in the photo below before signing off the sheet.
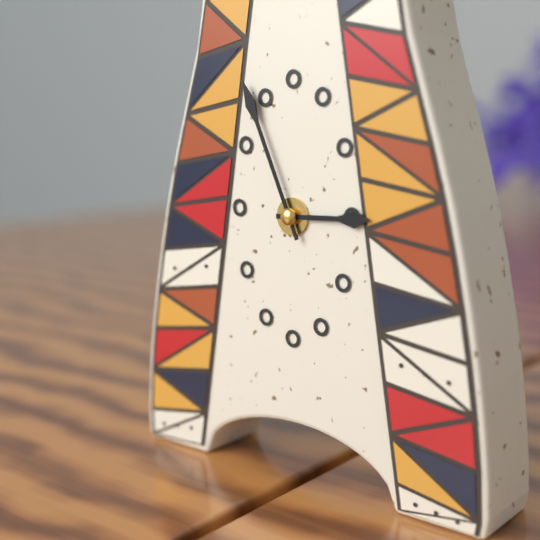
2:56
